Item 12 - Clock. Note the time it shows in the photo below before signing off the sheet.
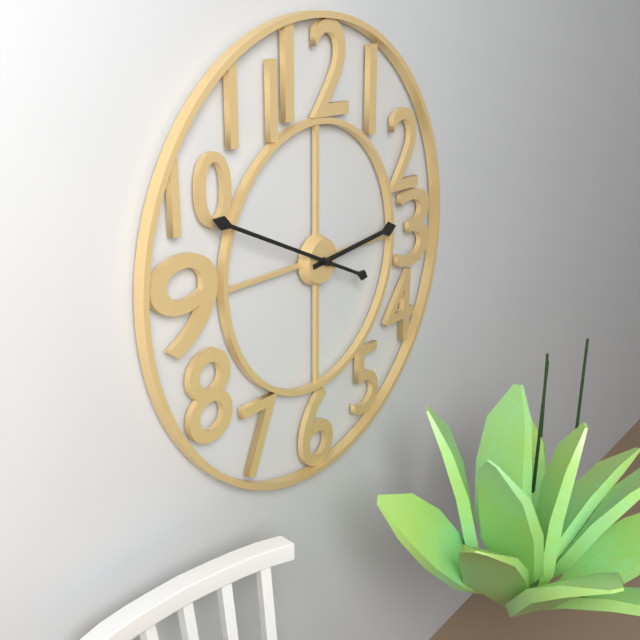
2:49
